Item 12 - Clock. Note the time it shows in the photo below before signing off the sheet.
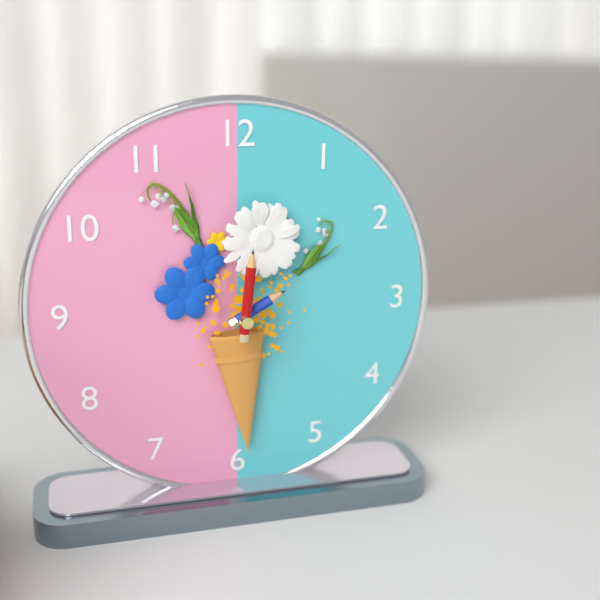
2:01
